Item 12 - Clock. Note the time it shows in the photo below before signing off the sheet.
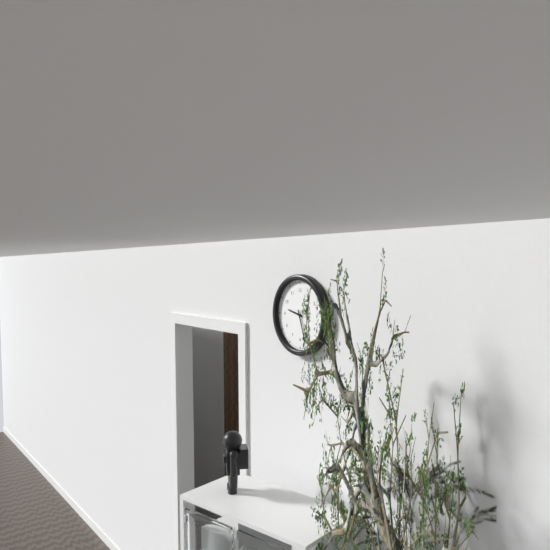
9:27
